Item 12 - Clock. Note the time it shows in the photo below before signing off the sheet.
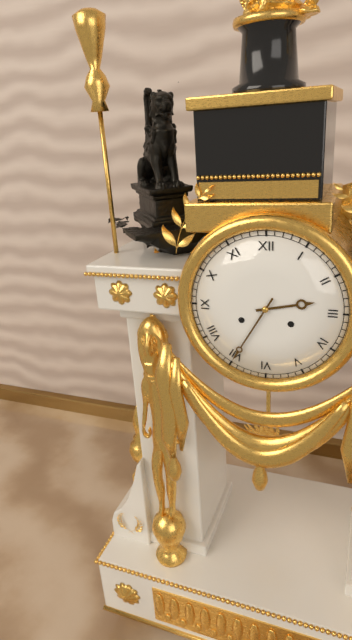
2:35
